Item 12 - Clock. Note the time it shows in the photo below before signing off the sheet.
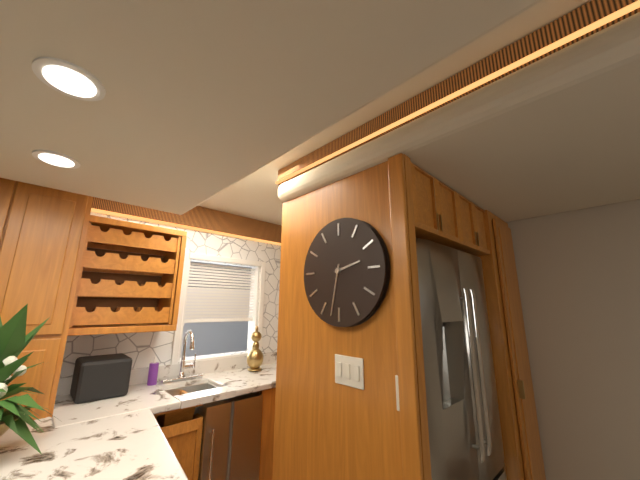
2:32
